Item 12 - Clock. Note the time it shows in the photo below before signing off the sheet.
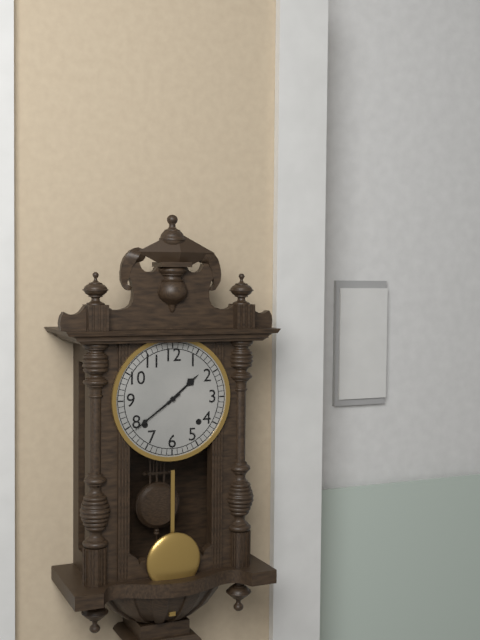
1:39
